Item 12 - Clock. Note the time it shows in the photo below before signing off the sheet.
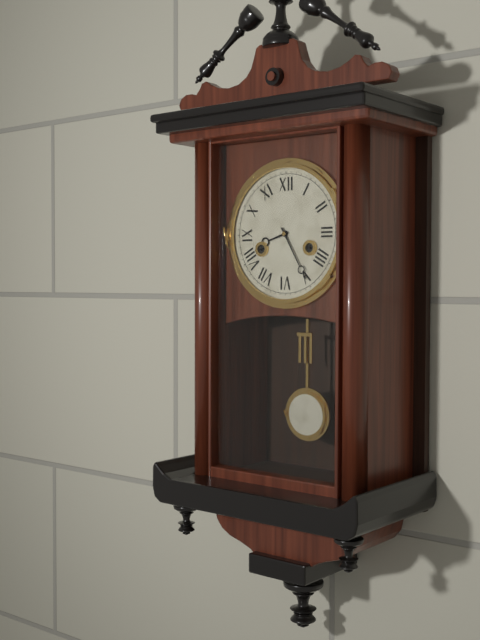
8:25
